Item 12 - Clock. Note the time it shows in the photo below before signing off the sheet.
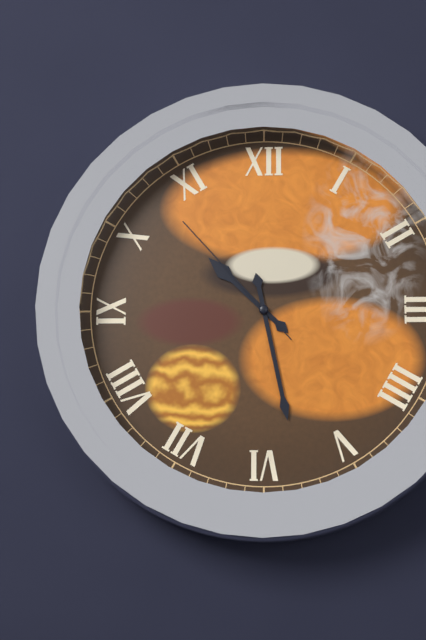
10:28:53
